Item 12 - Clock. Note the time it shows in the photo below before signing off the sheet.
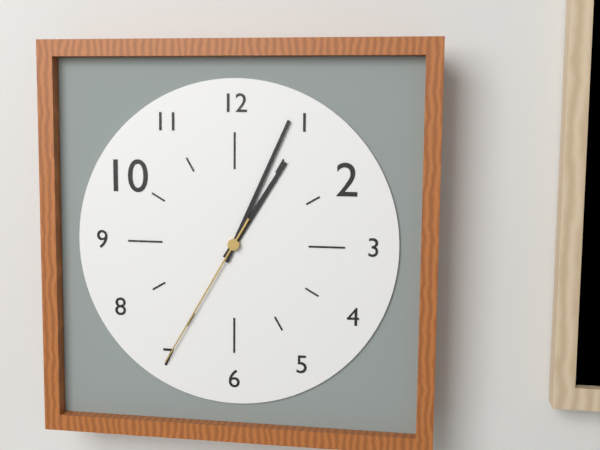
1:04:35
